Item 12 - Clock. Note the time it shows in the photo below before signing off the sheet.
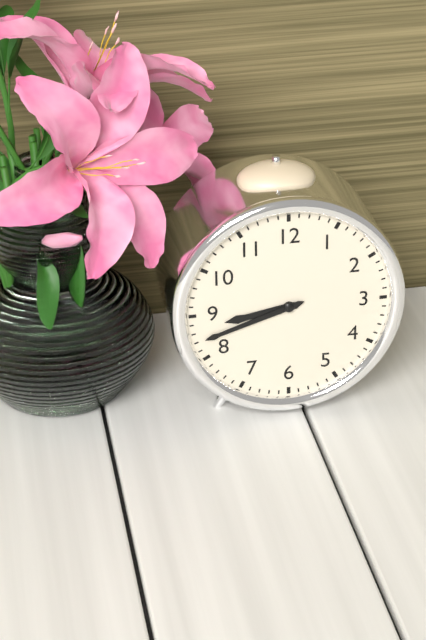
8:42
